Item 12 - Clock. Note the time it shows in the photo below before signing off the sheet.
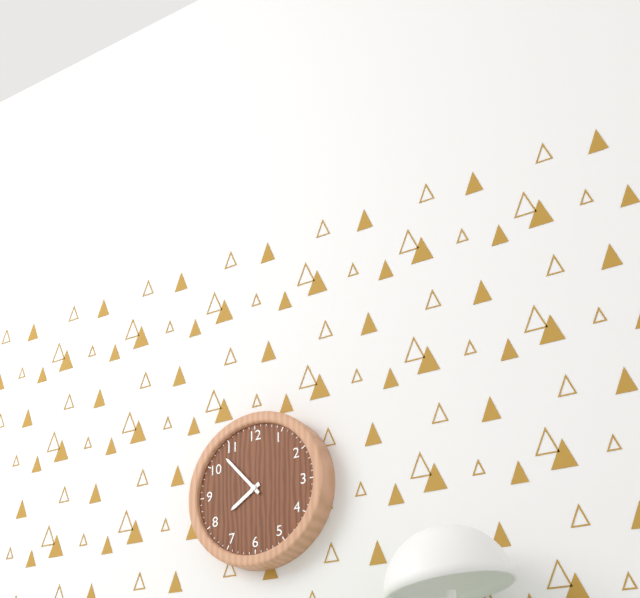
7:53
